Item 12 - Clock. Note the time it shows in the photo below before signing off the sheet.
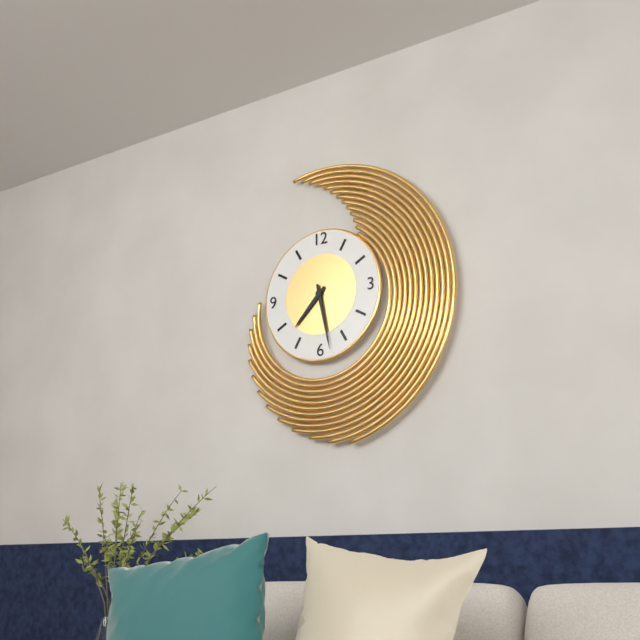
7:28
